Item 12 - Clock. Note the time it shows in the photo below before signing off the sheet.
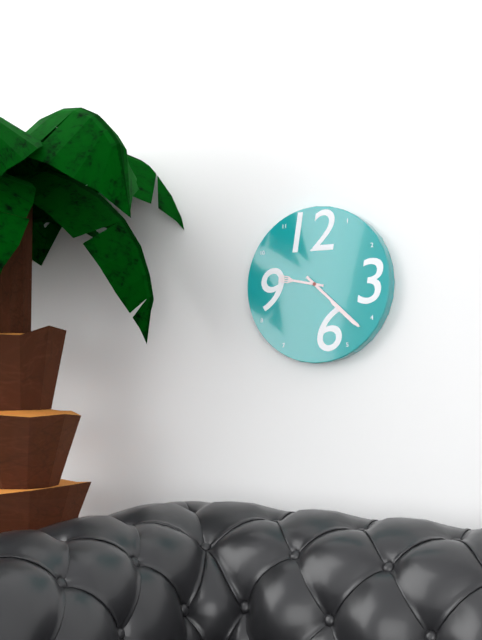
9:22
